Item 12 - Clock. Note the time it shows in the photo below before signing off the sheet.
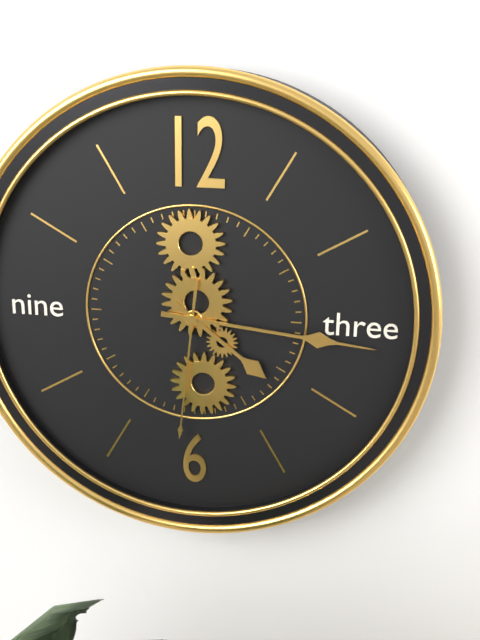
4:16:31
